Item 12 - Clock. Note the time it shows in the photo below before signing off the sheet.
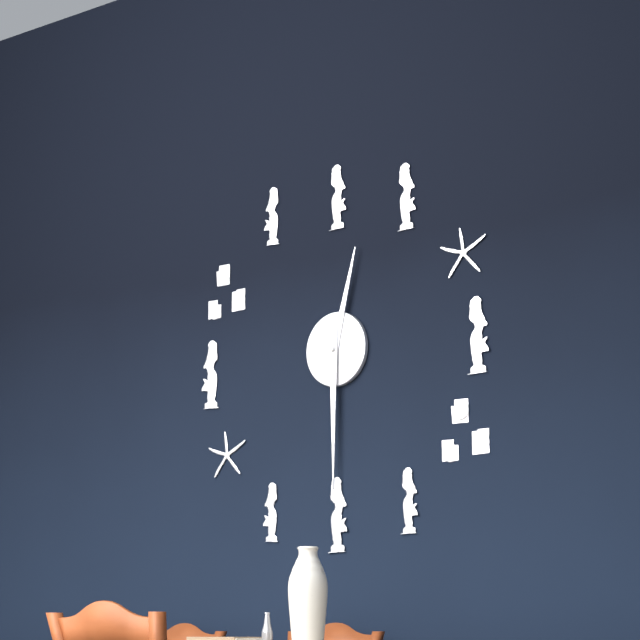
12:30
